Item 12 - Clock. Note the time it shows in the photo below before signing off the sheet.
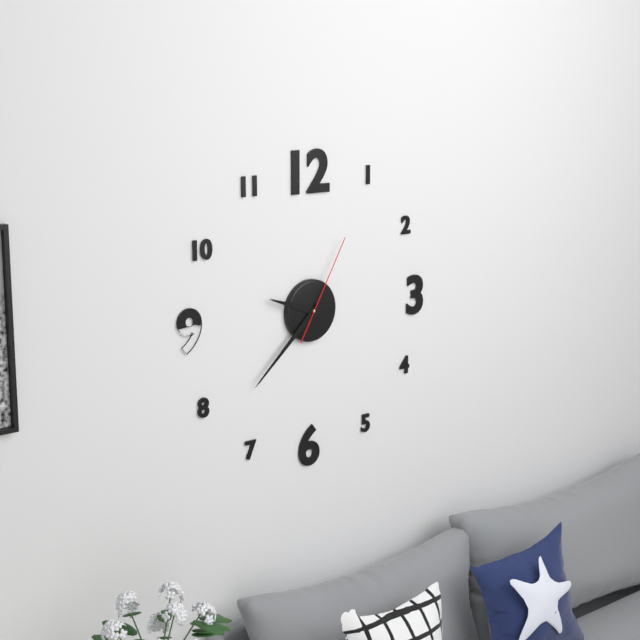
9:38:05
